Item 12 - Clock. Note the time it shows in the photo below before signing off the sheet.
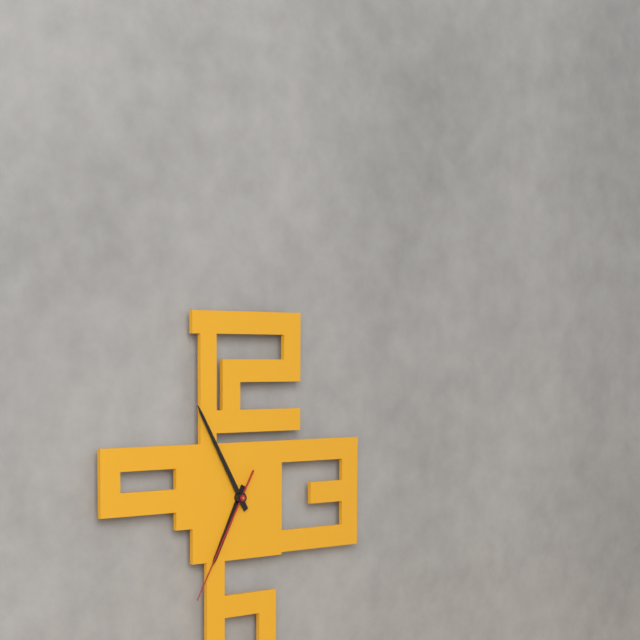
6:55:35
